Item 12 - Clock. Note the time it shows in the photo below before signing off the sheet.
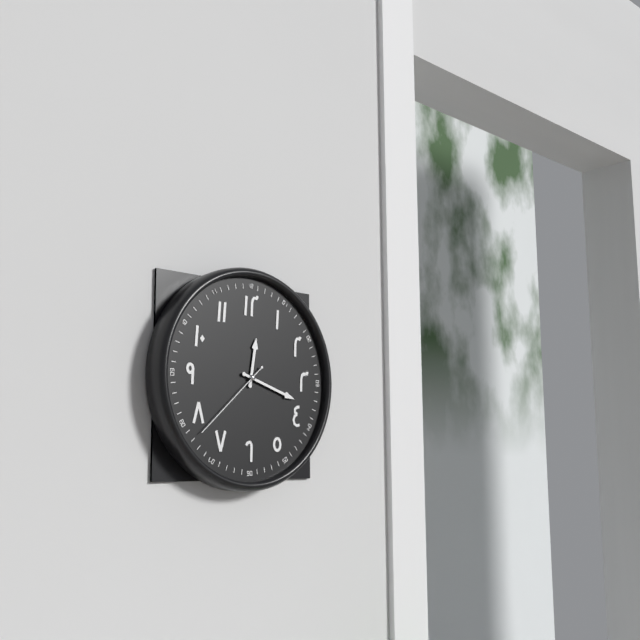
12:18:38
